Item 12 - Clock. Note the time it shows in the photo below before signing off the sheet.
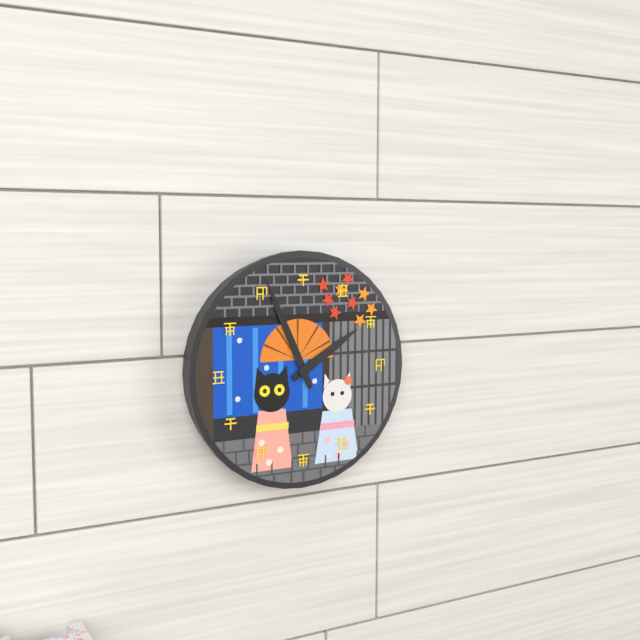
1:56
